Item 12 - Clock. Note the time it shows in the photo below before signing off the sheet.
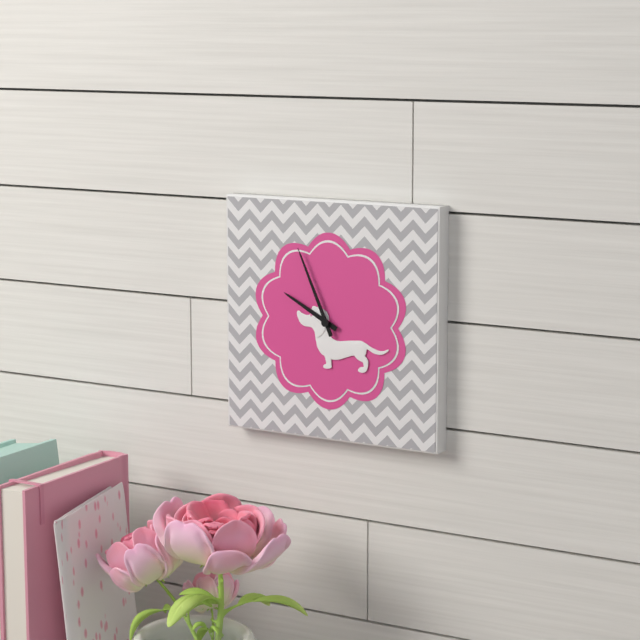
9:56
